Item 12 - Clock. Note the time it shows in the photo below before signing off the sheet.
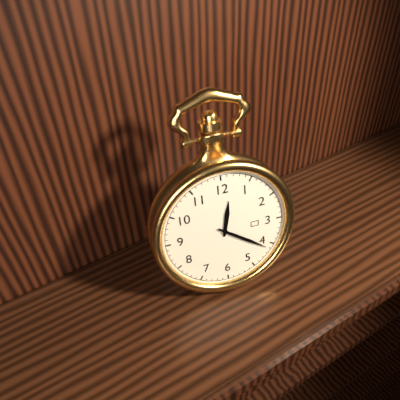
12:21
